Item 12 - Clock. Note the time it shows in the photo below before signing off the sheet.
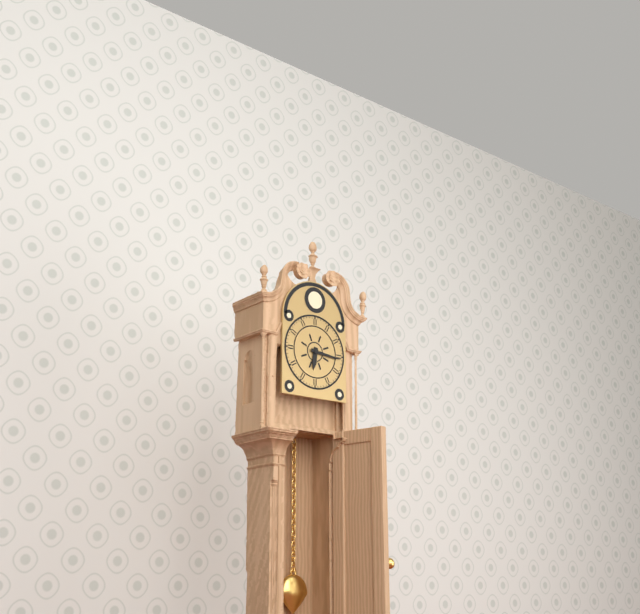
6:16
